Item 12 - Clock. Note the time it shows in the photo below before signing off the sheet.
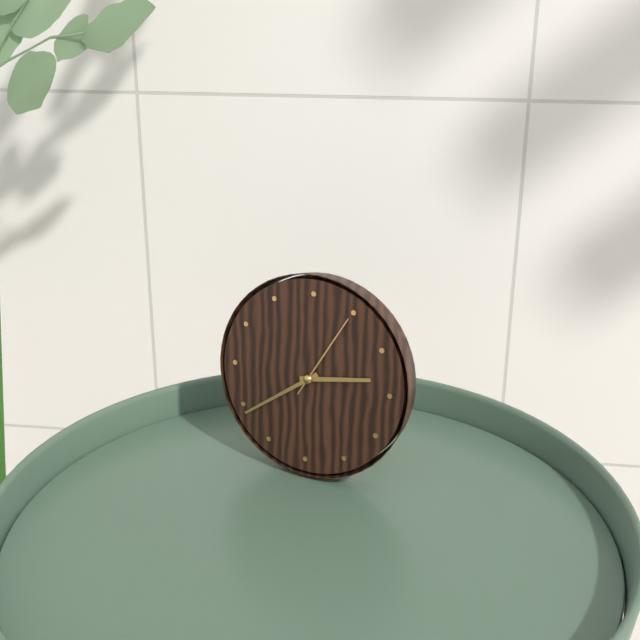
2:39:05
